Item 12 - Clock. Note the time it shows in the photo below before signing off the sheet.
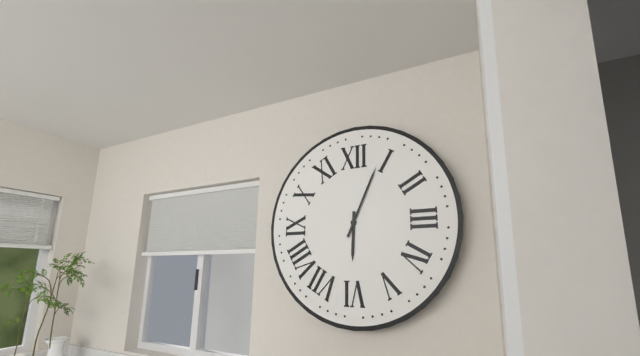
6:04
